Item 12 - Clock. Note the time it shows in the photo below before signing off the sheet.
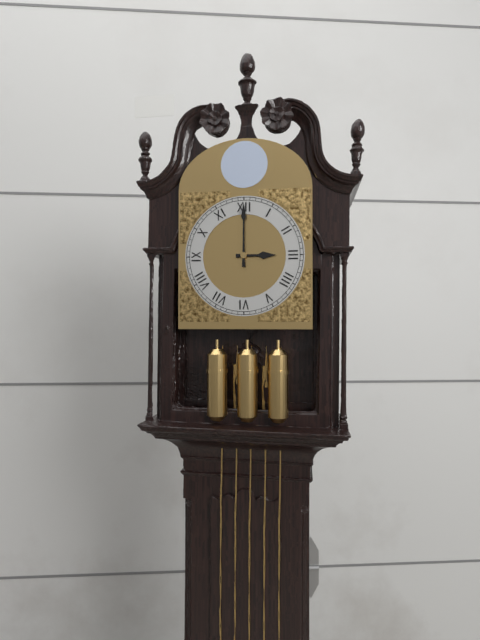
3:00
